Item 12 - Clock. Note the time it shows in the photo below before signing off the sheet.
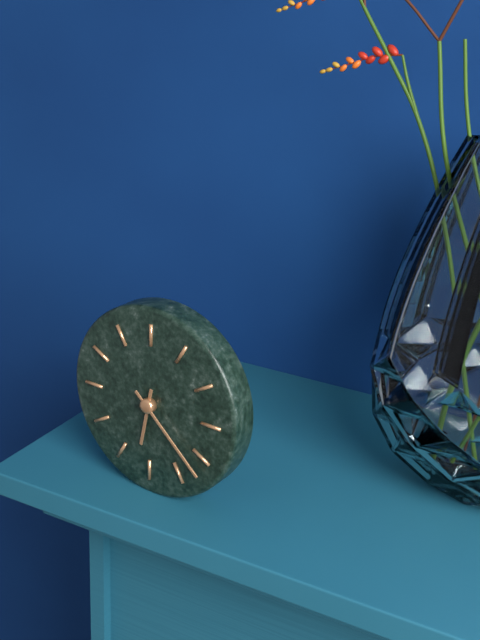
6:22
